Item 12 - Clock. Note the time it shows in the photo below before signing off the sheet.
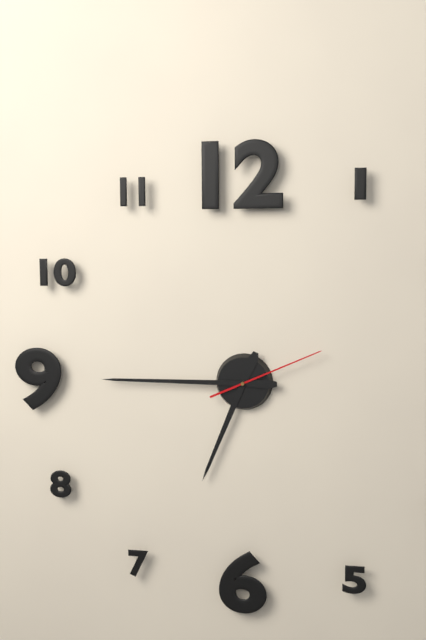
6:45:11
